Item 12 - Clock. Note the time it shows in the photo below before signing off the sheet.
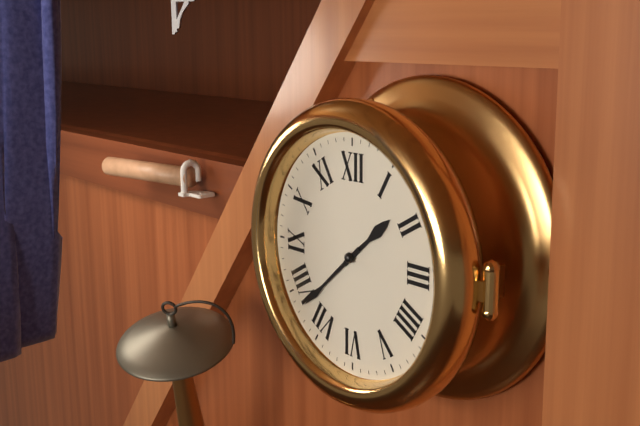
1:38
